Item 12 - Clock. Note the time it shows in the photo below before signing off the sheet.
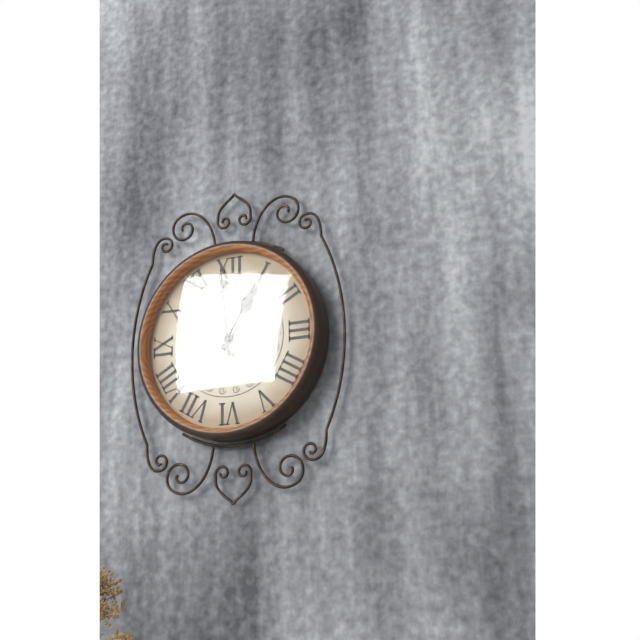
12:59
